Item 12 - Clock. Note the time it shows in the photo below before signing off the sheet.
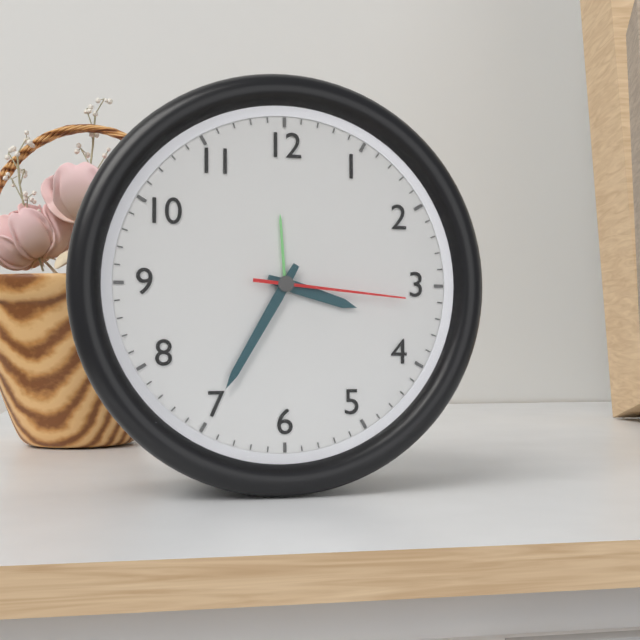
3:35:16
